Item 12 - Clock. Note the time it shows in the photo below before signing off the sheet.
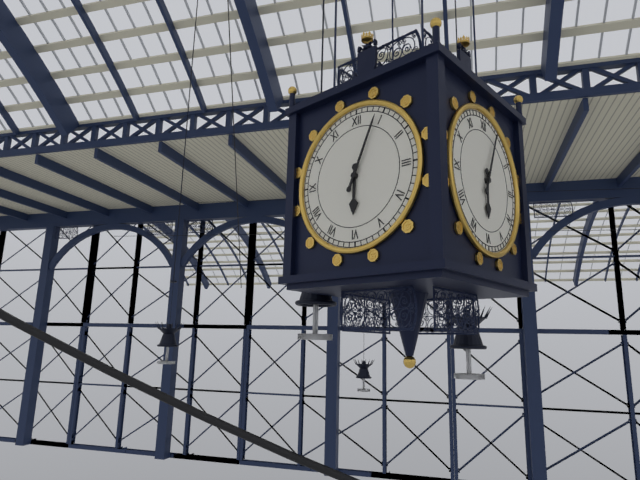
6:04
